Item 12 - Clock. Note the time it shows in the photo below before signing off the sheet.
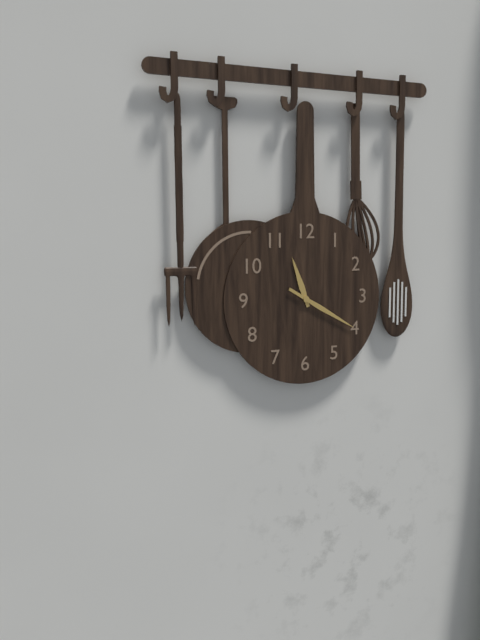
11:20
